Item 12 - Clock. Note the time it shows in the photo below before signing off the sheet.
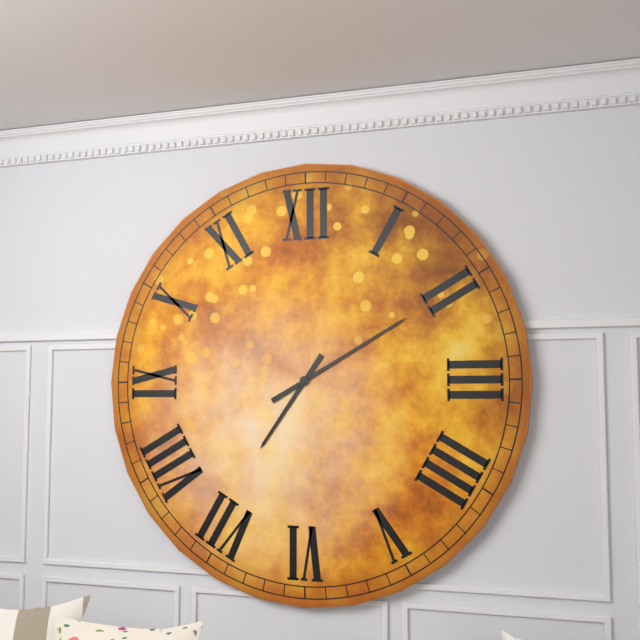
7:10
